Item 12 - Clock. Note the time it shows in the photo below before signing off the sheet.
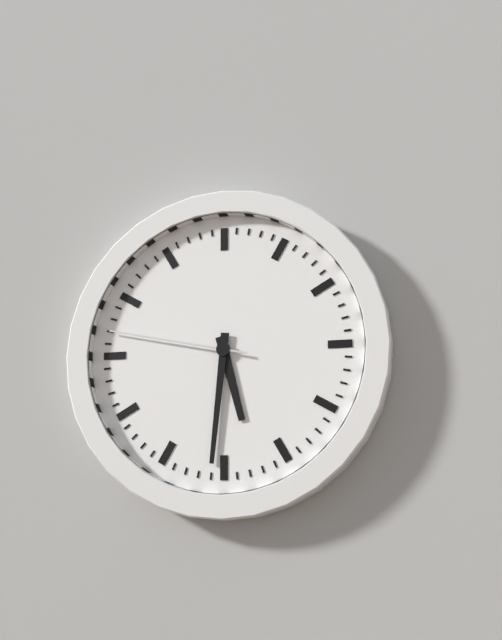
5:31:47
